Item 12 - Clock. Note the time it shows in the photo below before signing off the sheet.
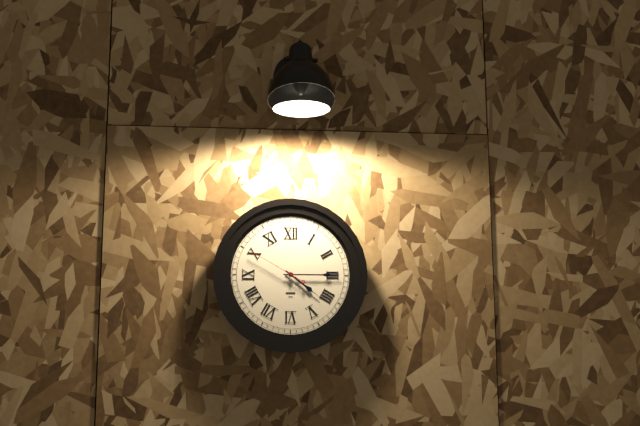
4:15:50
